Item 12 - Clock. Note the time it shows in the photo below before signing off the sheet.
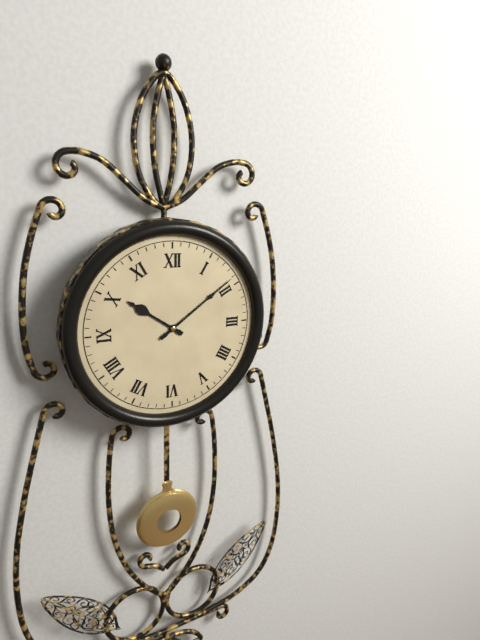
10:09
